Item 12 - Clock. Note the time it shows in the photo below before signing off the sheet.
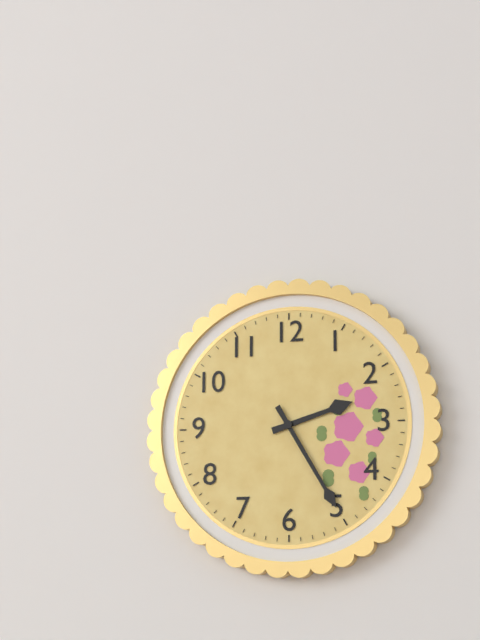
2:25
